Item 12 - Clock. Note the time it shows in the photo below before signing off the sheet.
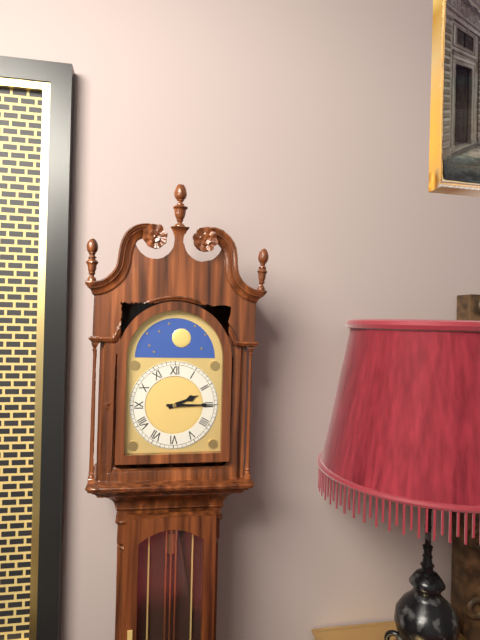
2:15
